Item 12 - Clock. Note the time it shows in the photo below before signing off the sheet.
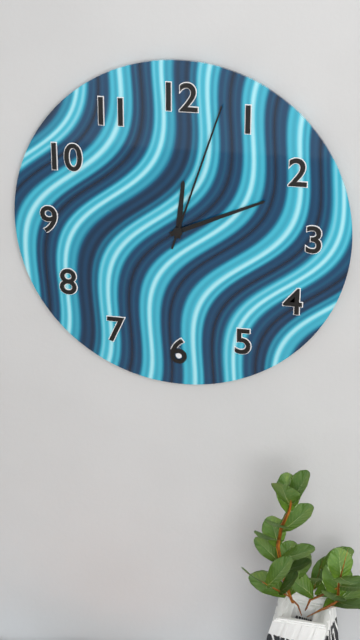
12:11:03
